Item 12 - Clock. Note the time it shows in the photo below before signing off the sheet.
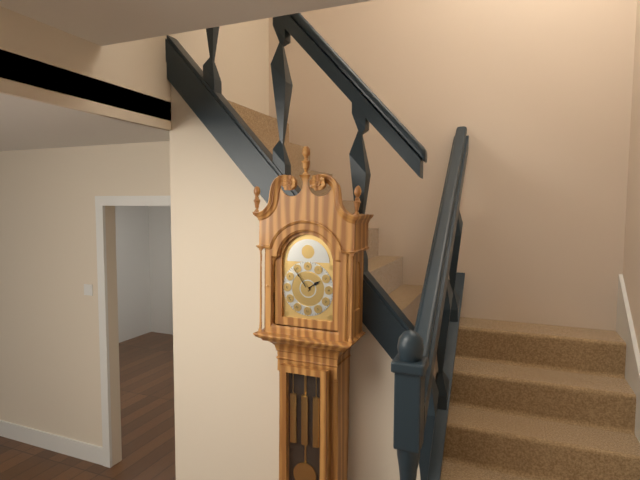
1:54
